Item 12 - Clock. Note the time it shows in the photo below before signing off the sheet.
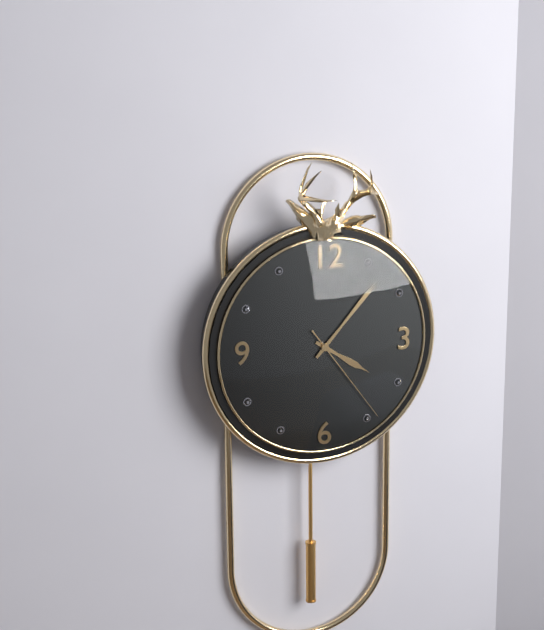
4:07:24
